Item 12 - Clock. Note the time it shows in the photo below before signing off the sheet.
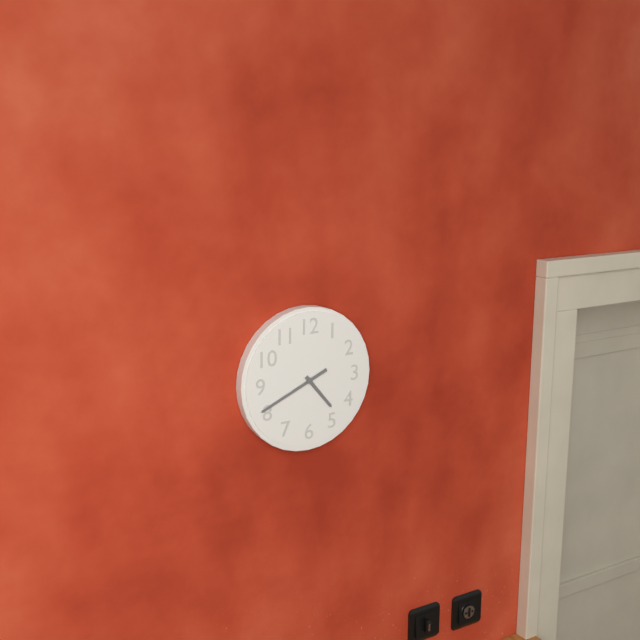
4:41
